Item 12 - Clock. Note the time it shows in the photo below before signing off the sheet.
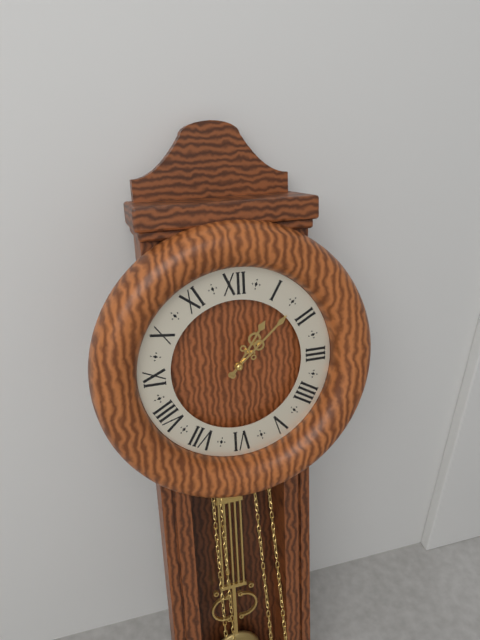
1:08
